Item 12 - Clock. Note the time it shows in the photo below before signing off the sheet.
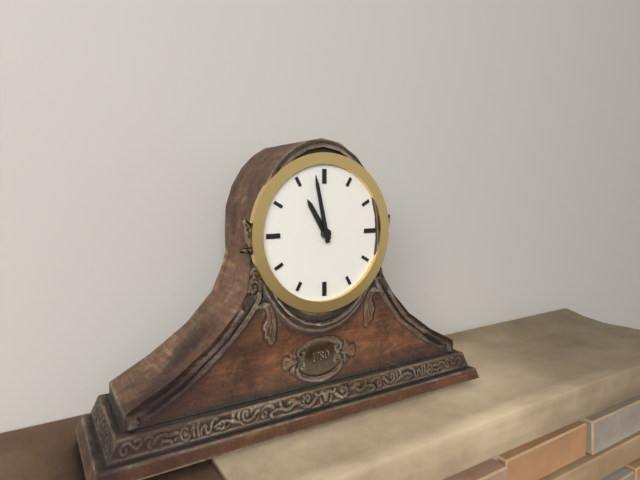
10:58
